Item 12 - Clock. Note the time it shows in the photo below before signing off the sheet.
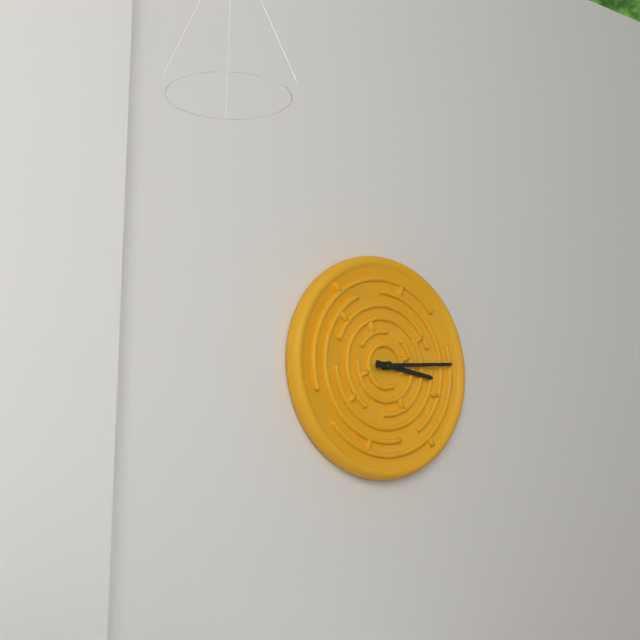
3:14
